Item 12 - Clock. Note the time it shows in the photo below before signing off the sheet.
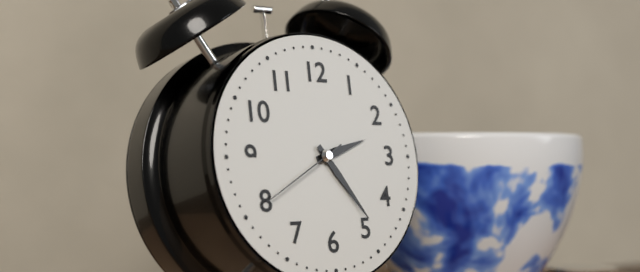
2:24:40
